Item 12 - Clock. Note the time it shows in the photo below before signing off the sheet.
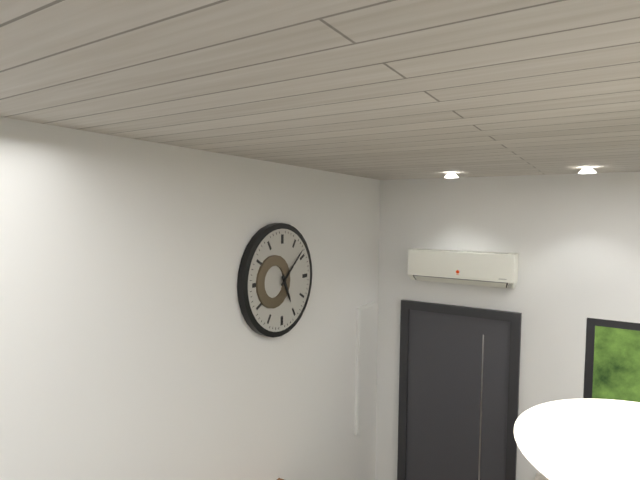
5:08
